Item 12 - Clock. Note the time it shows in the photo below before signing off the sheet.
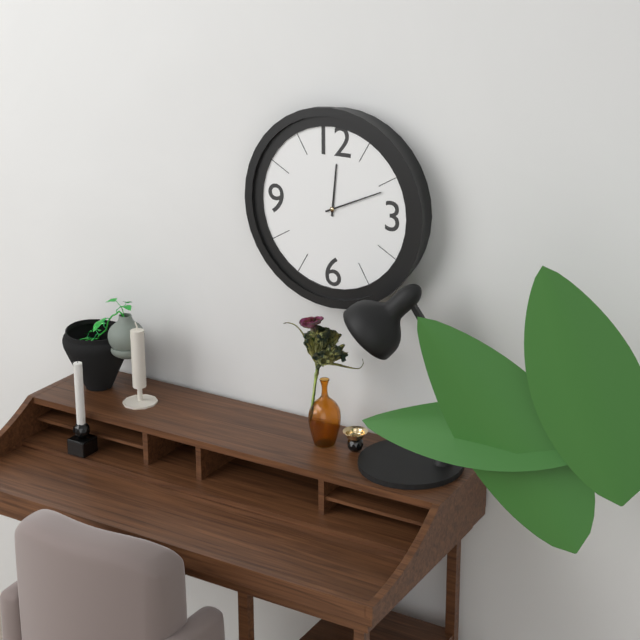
12:11
